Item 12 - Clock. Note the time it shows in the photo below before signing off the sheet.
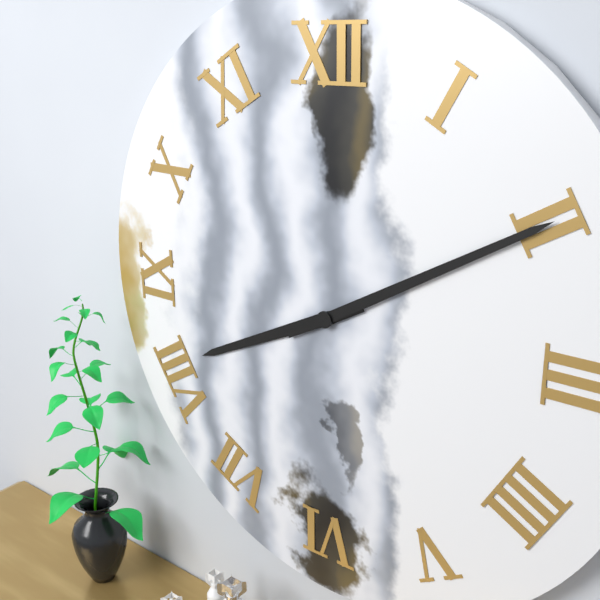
8:10
